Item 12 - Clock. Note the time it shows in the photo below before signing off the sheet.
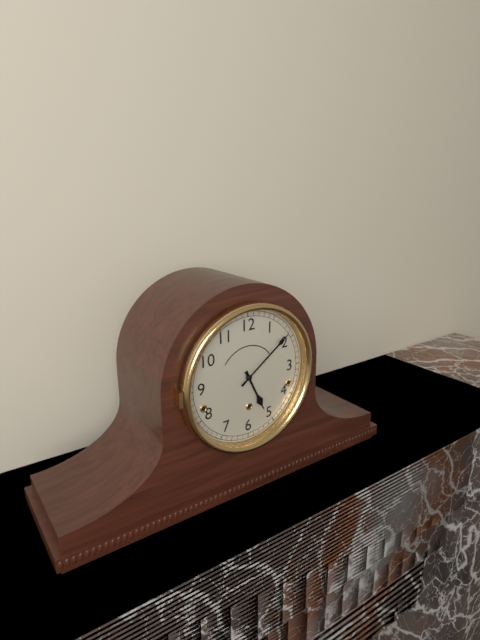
5:09
